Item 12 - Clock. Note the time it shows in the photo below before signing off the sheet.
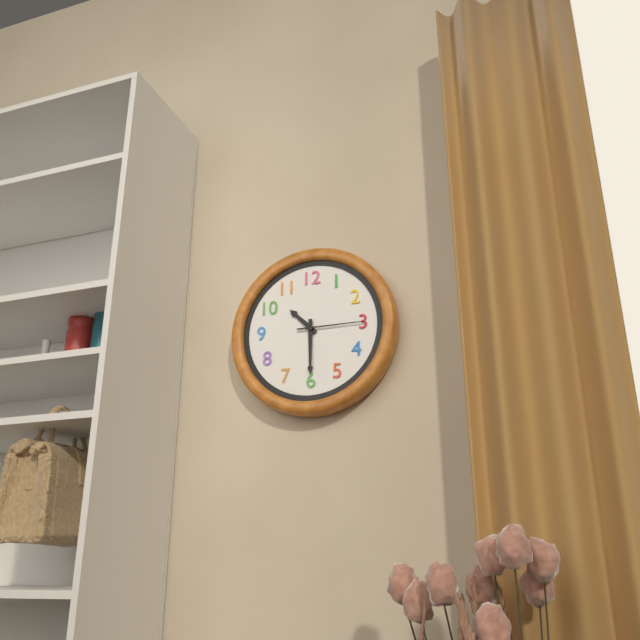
10:30:15
